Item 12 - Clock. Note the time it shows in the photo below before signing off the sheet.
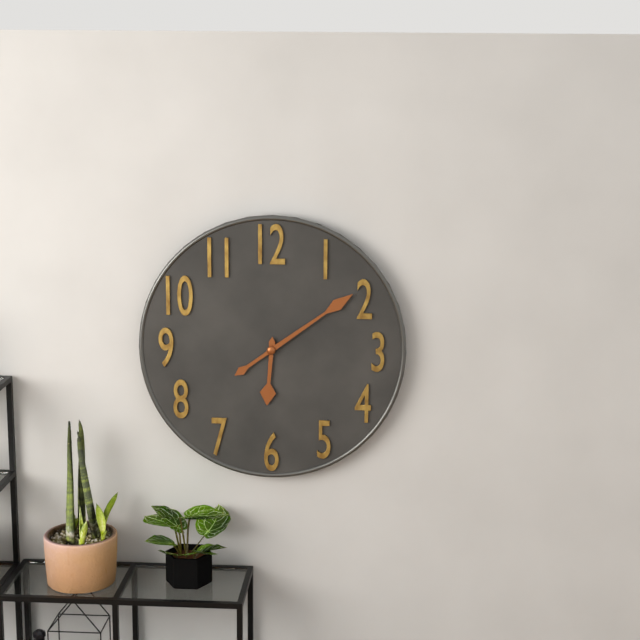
6:09
